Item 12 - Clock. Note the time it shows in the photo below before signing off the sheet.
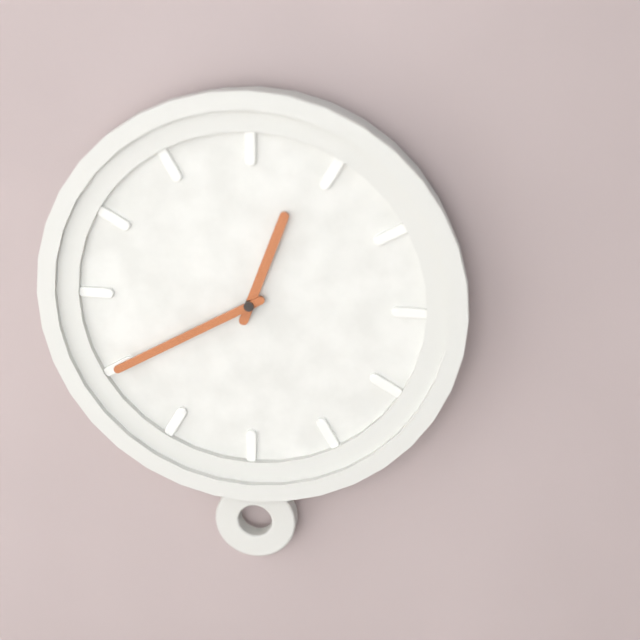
12:40
